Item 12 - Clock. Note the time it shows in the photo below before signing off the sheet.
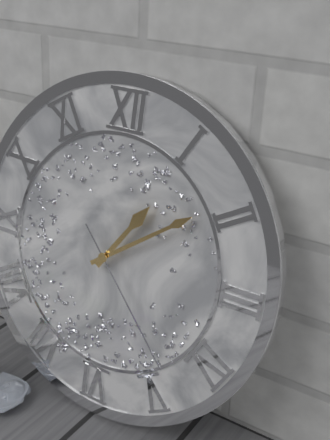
1:09:23
